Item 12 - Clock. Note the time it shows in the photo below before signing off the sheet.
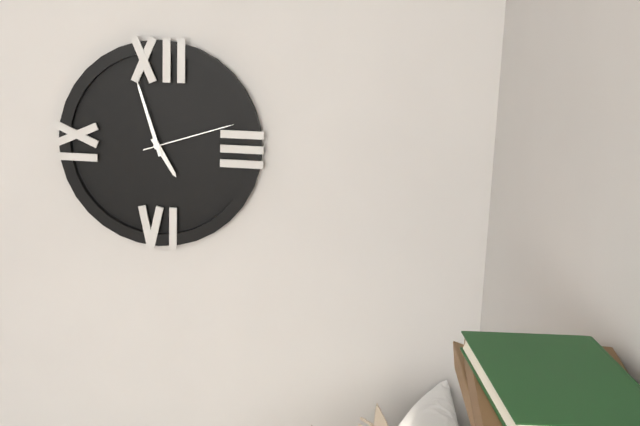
4:57:12
